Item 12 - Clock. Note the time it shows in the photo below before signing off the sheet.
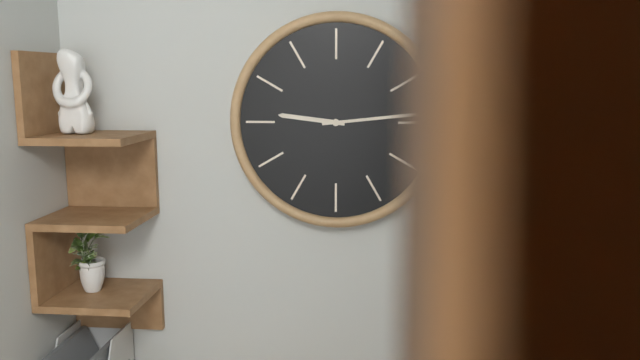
9:14
